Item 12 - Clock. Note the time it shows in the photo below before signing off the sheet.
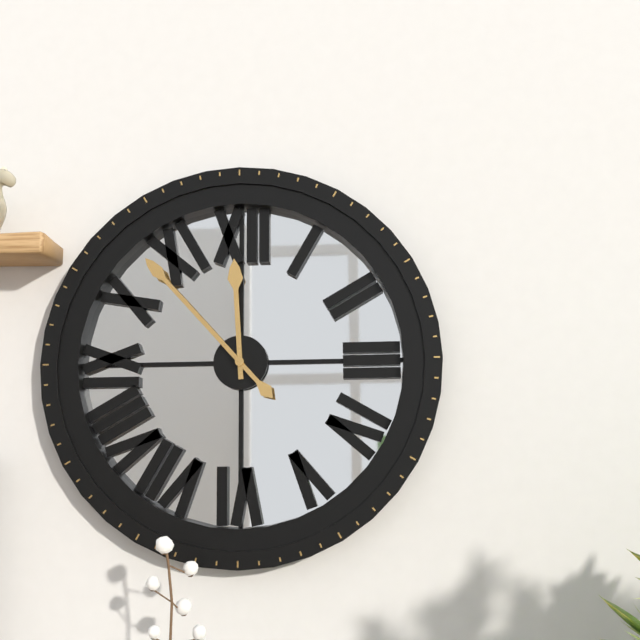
11:53
